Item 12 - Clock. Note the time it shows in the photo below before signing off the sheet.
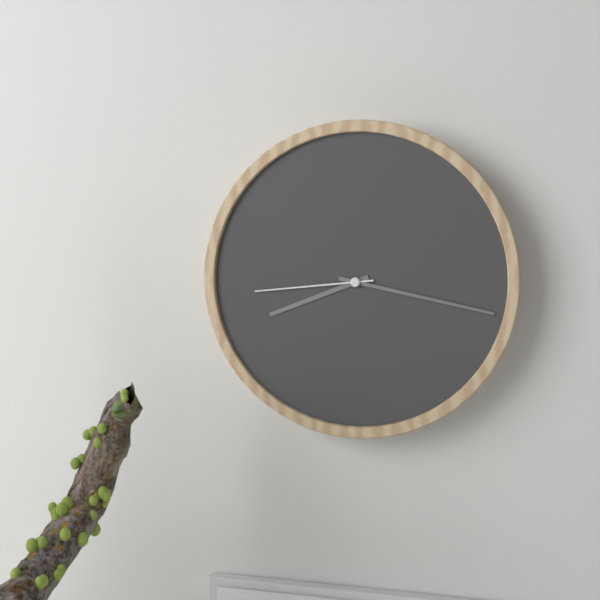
8:17:44
